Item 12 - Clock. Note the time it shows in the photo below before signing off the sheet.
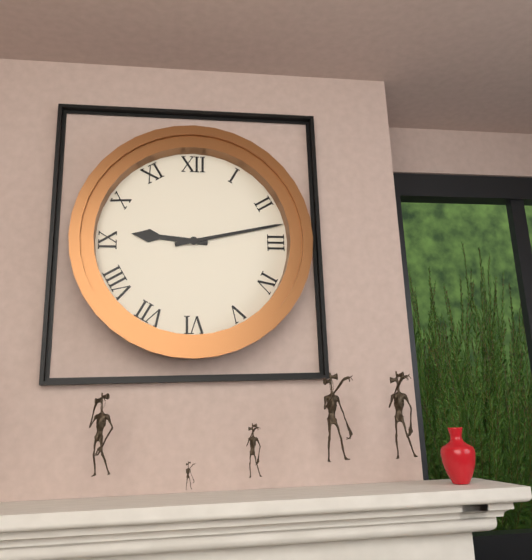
9:13
